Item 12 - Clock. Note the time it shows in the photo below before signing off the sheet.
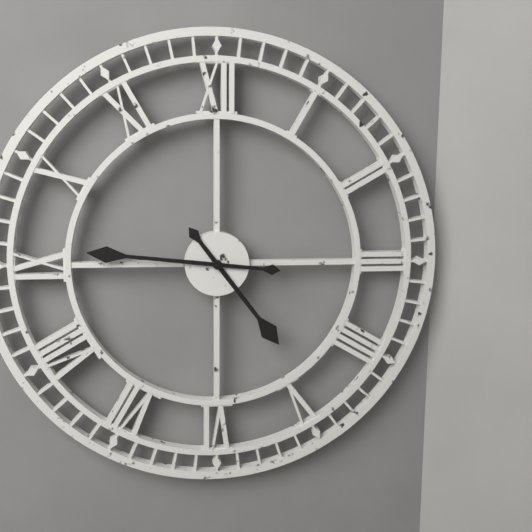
4:46
